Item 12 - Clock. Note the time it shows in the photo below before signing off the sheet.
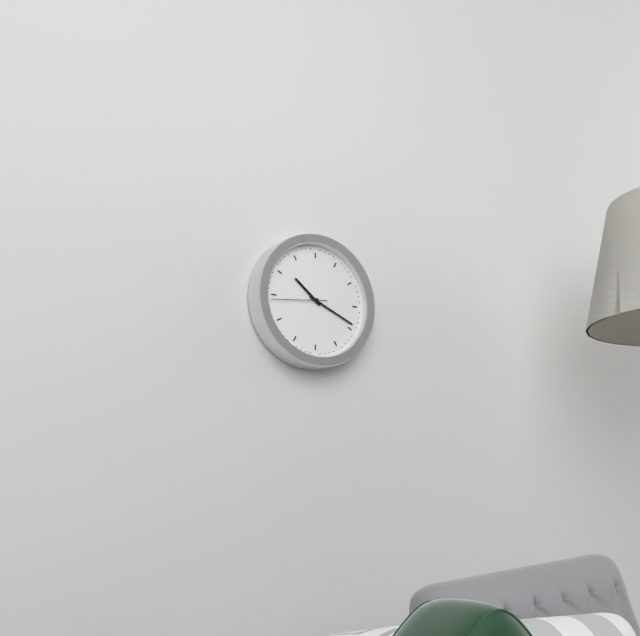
10:19:44
